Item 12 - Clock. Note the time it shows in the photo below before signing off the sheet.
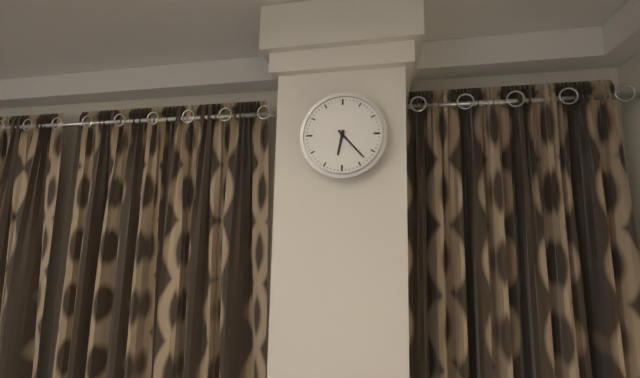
6:23
